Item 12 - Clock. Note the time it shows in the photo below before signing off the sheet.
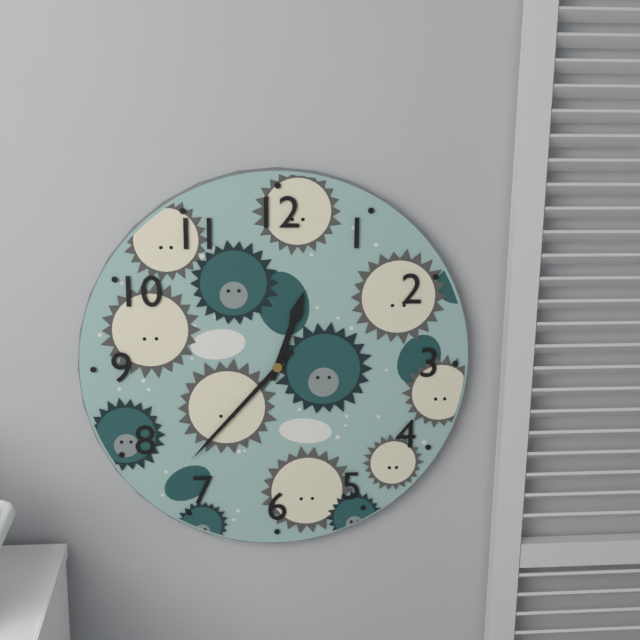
12:37
